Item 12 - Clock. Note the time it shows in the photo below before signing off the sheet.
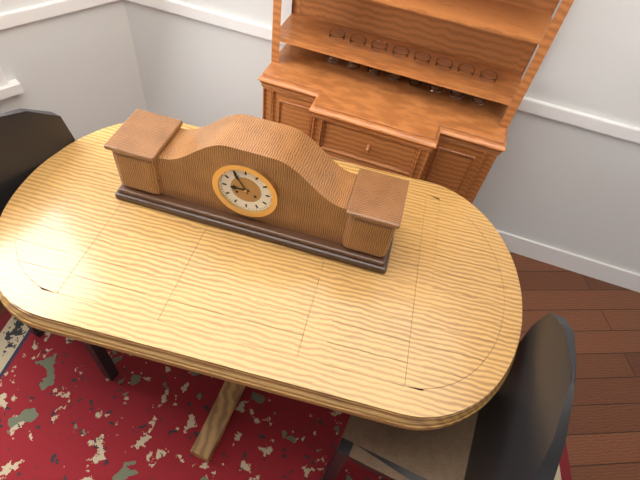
8:55
